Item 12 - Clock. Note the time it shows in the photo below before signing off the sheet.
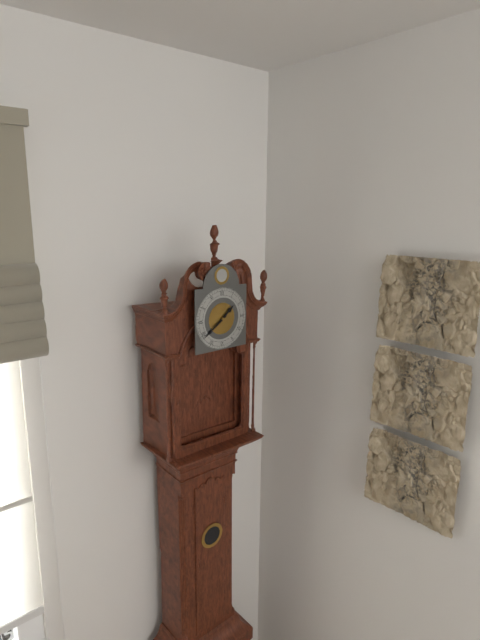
1:39
